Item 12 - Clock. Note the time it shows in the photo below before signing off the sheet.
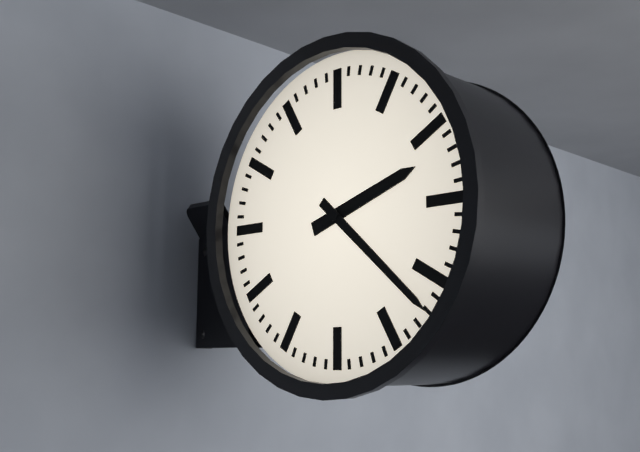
2:22
